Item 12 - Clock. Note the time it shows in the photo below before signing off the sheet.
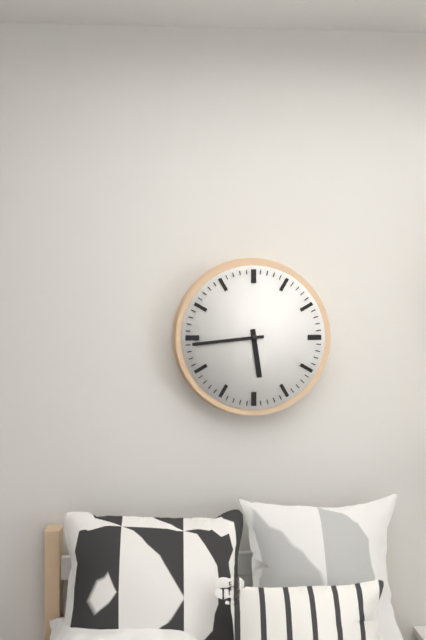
5:44
